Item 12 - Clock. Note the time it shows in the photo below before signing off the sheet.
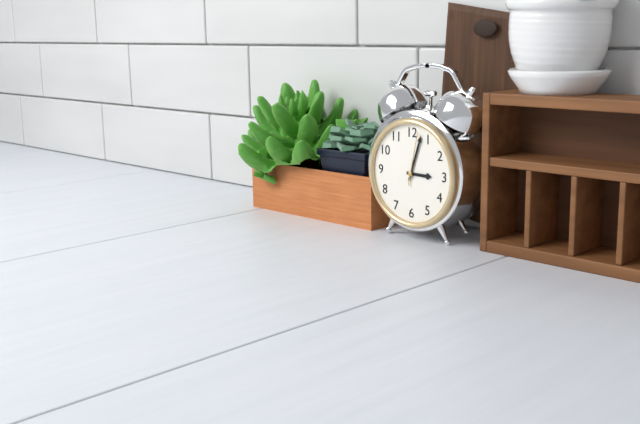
3:03:02
